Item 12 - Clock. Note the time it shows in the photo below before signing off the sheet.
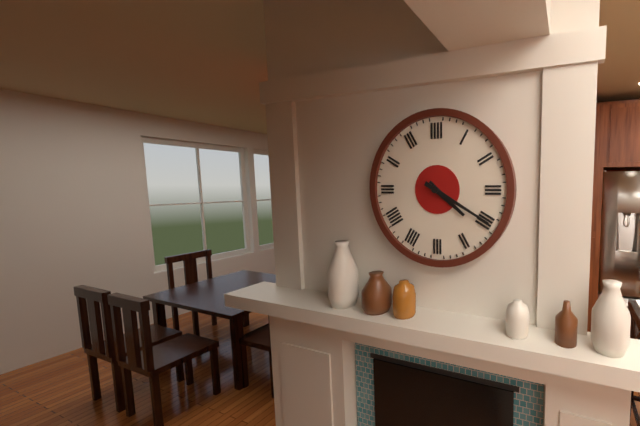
4:20
